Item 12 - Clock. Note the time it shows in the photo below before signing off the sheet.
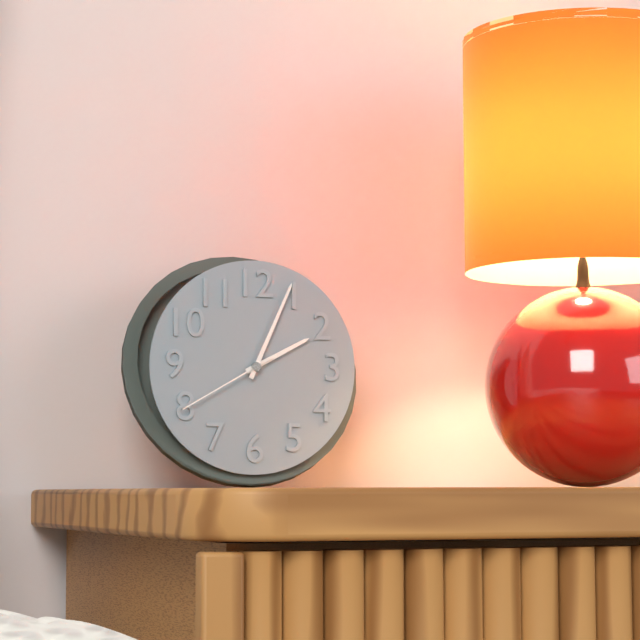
2:04:40
